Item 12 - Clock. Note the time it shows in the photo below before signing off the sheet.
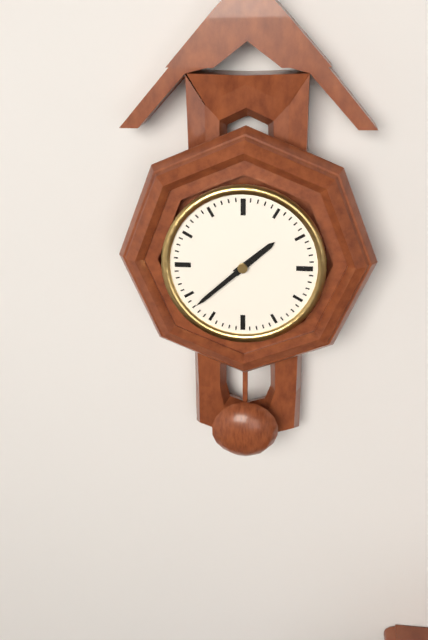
1:38
